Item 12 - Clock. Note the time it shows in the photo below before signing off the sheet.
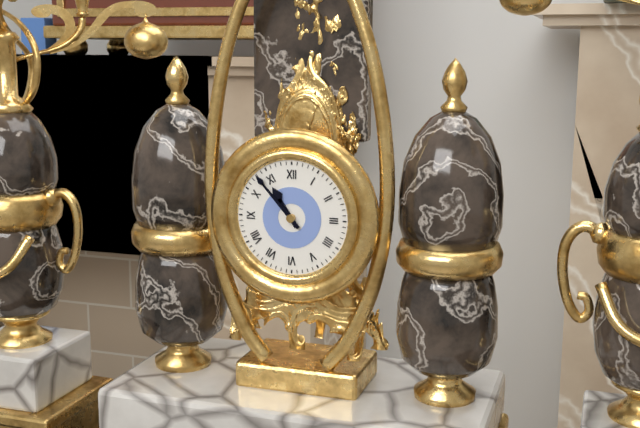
10:53
